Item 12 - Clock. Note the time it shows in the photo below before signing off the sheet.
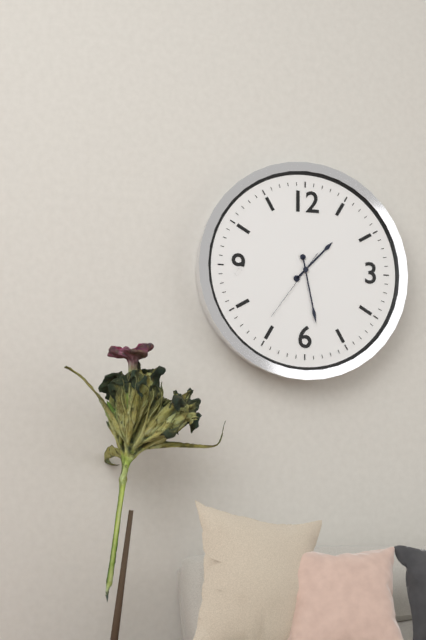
1:28:36
